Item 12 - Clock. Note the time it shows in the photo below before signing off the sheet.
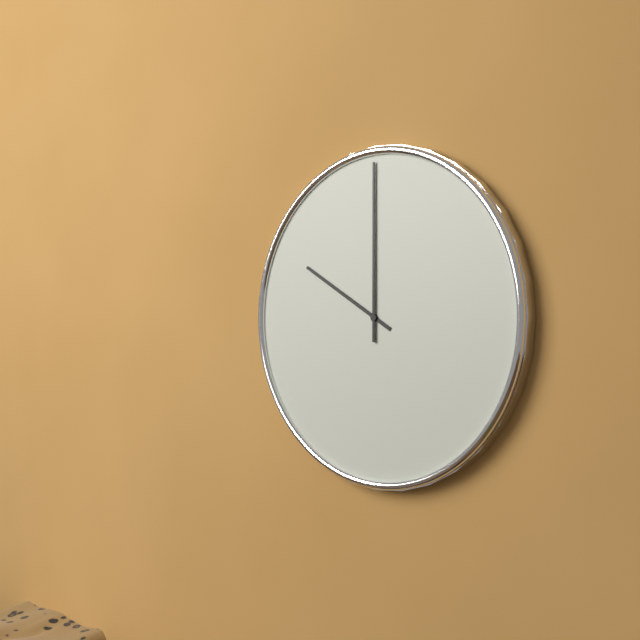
10:00
